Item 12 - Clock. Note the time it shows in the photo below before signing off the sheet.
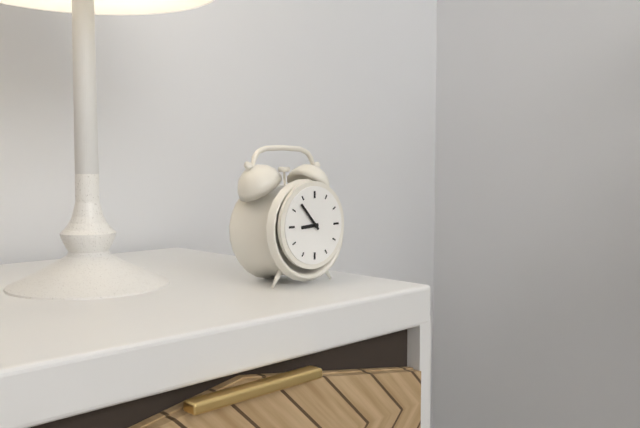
8:53
